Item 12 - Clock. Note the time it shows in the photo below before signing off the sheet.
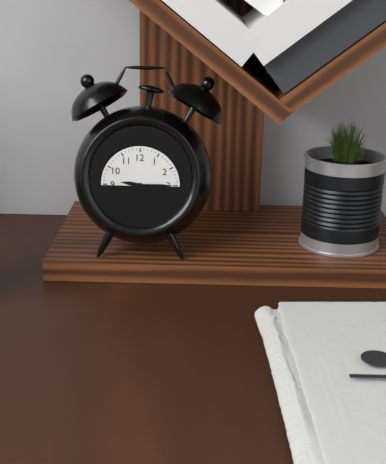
9:15
